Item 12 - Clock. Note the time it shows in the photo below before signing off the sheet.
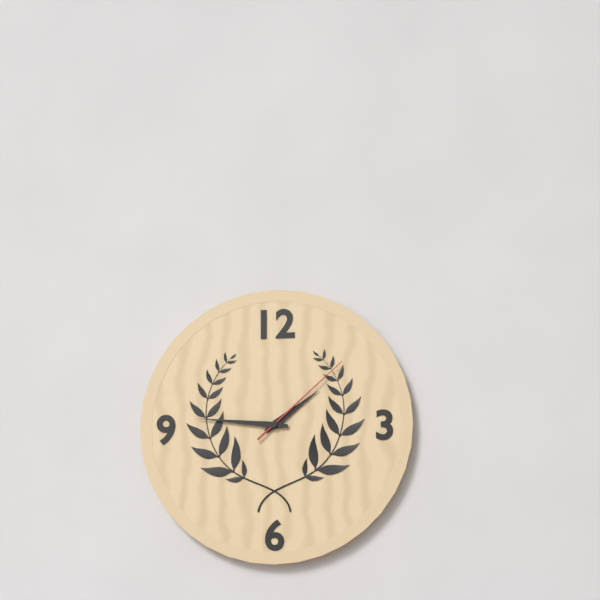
1:46:08
